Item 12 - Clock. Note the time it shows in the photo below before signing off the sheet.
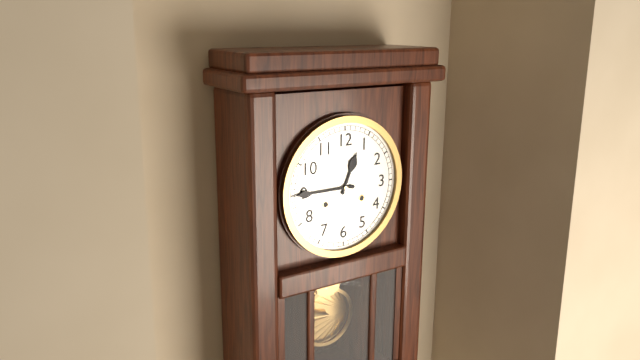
12:45
